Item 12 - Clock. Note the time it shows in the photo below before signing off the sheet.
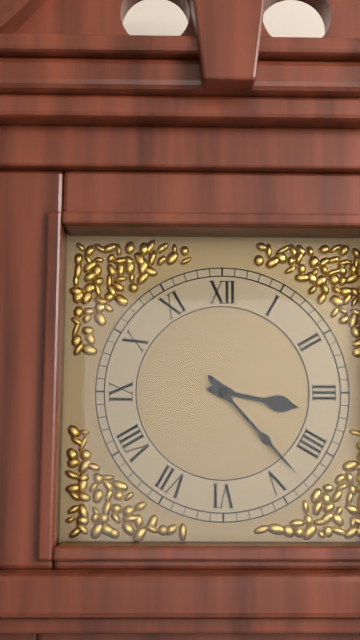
3:23
